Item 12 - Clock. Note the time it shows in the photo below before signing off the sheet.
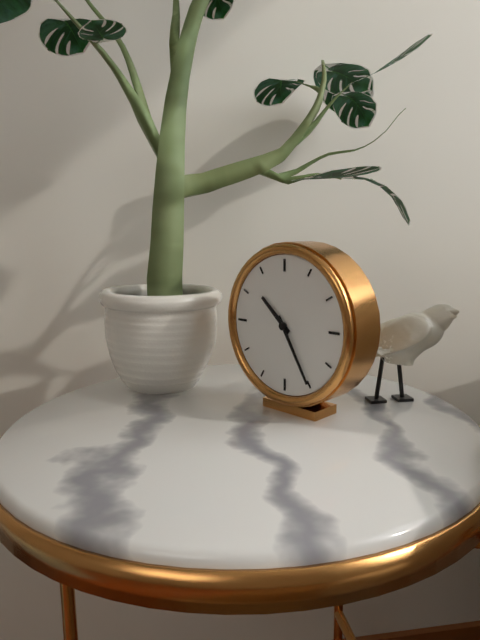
10:25
